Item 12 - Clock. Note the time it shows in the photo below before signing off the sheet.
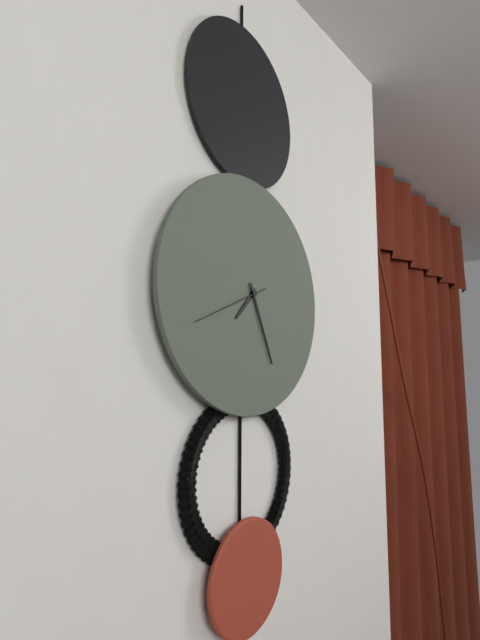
7:26:41
